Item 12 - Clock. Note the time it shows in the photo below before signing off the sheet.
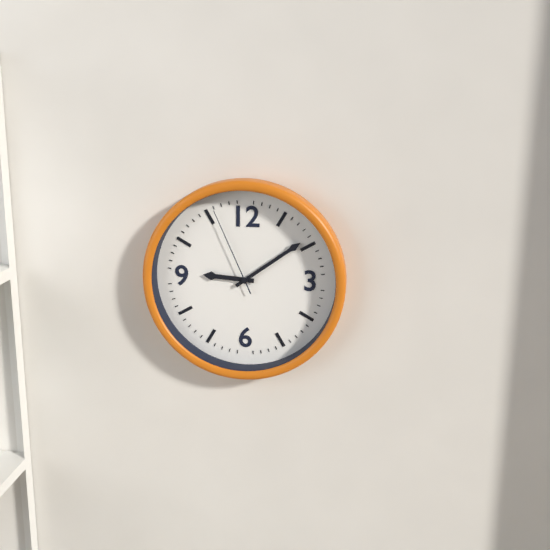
9:09:56
